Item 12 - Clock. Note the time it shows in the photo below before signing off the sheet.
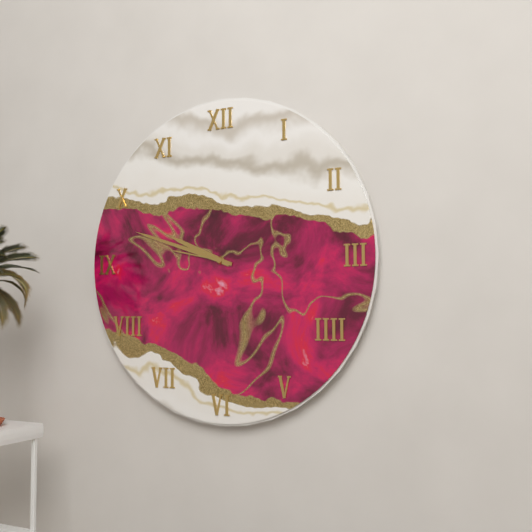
9:48:47
